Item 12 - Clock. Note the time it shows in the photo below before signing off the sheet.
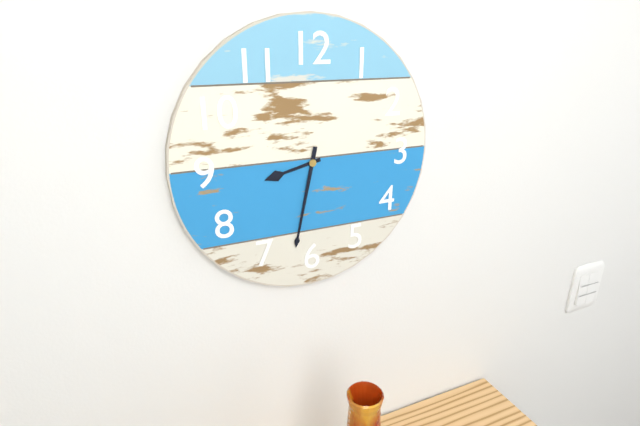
8:32
